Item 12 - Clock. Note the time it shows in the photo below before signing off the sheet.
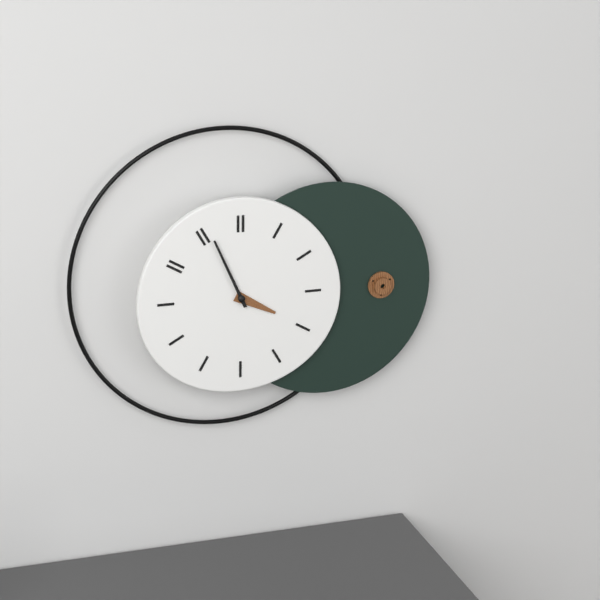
3:56
